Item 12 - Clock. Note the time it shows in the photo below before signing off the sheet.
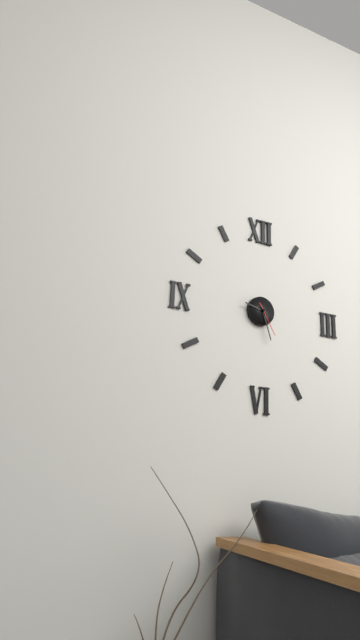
9:27
